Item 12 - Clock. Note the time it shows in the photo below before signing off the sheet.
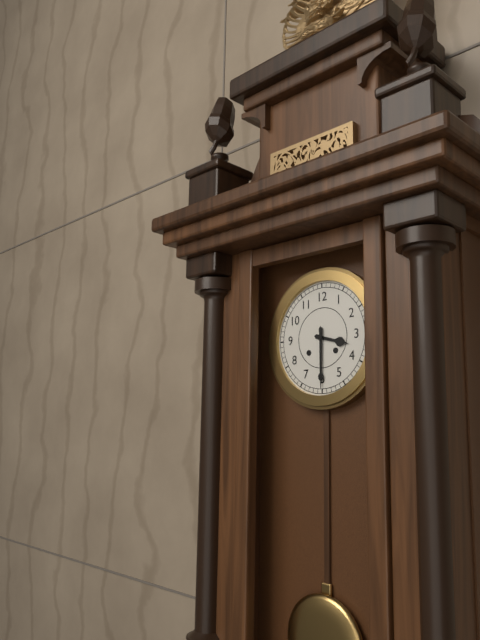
3:30
